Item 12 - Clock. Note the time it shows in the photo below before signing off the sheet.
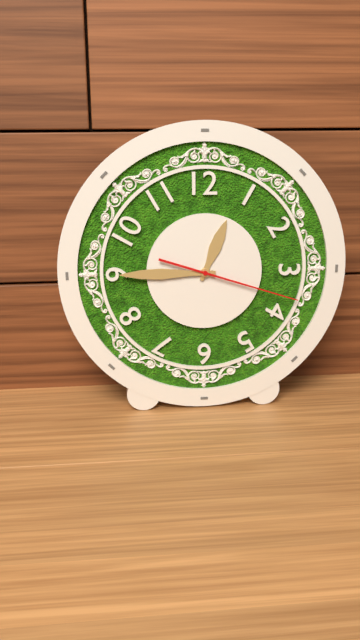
12:45:18
